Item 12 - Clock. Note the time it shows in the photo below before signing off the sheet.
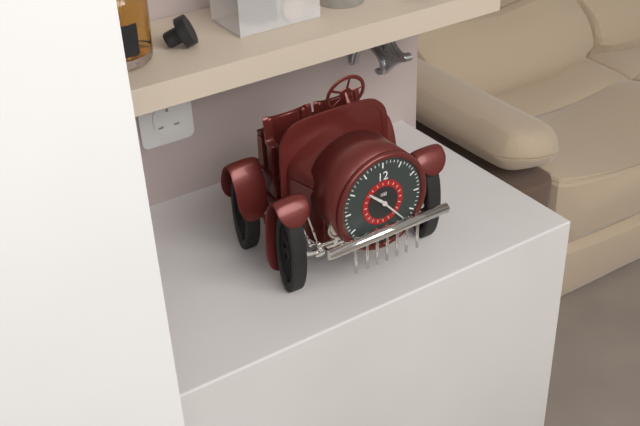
10:23
